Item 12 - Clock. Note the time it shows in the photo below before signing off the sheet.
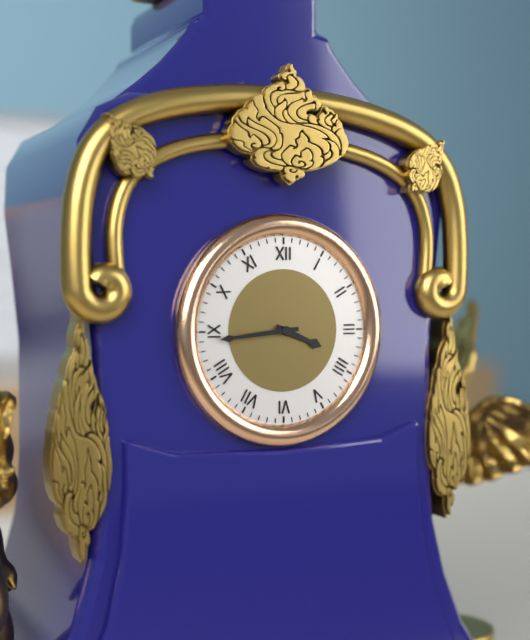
3:44
